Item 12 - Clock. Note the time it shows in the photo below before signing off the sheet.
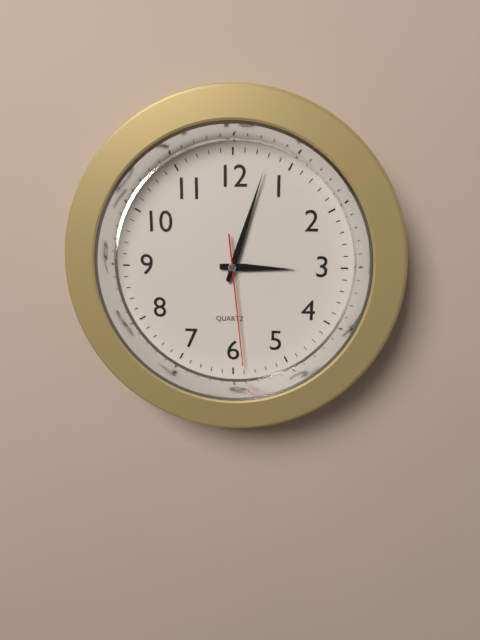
3:03:29
